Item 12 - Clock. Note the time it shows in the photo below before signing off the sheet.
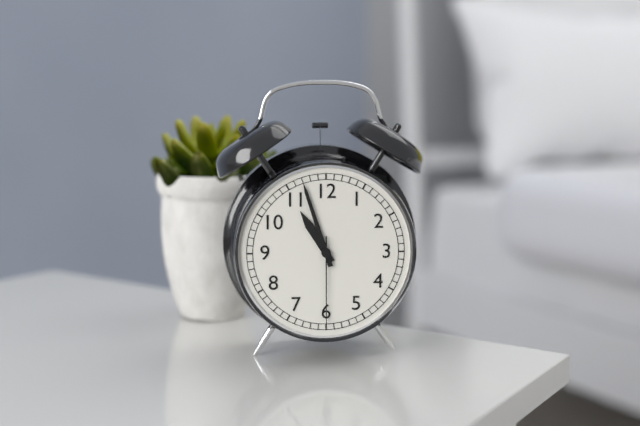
10:57:30
